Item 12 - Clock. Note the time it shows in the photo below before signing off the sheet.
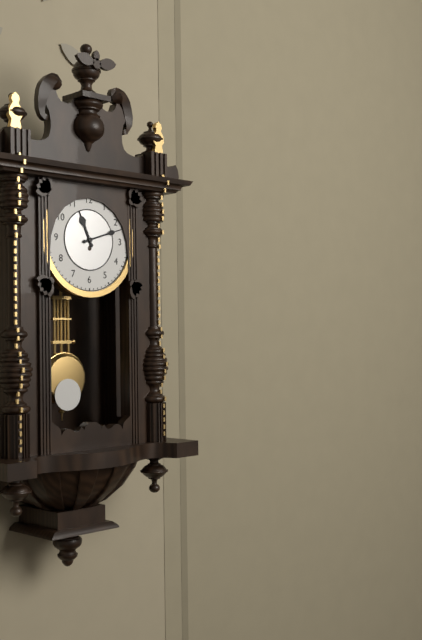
11:12
